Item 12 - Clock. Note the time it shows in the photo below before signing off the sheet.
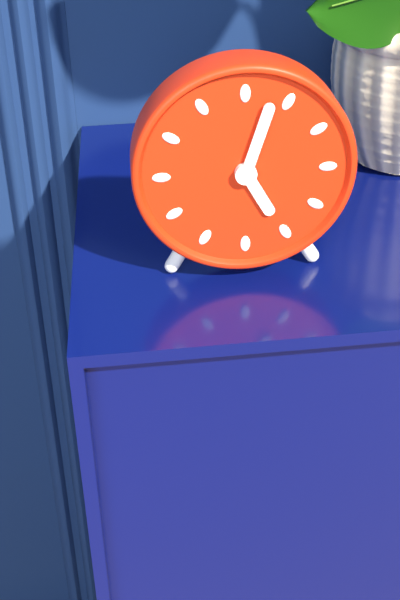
5:03
